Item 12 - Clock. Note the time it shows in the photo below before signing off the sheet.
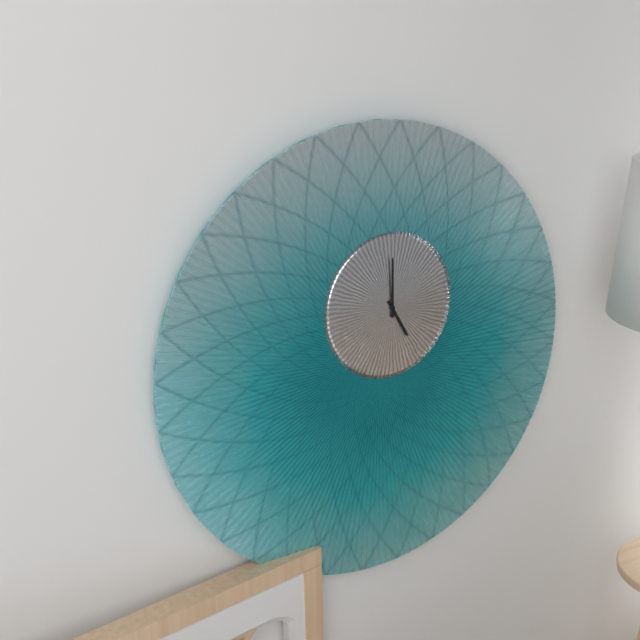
5:00
